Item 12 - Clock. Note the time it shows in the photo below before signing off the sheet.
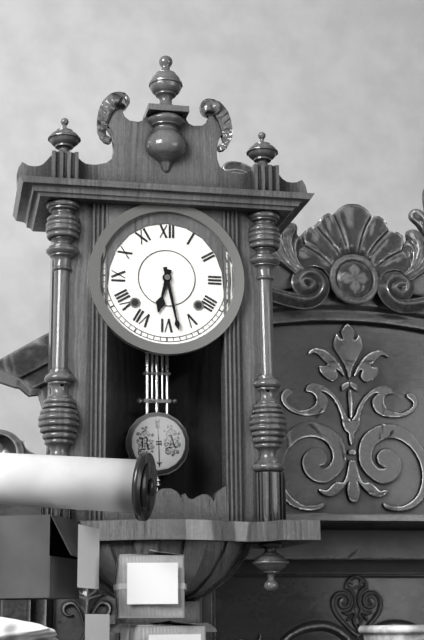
6:28
